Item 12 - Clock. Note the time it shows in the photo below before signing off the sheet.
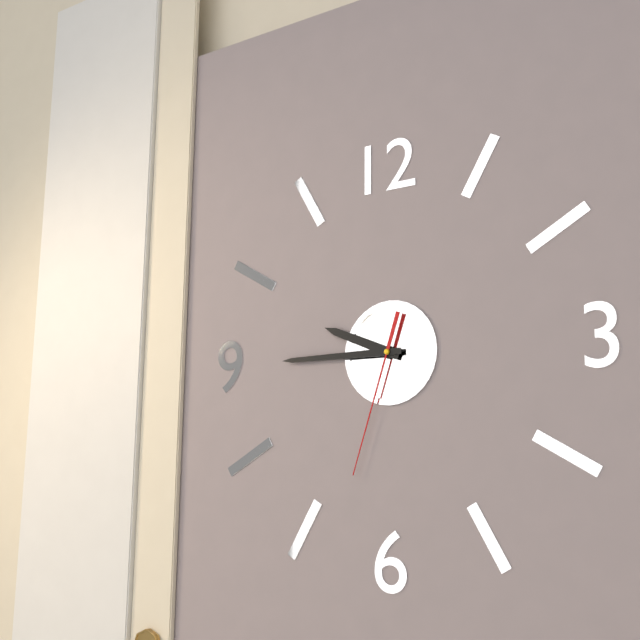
9:45:33
